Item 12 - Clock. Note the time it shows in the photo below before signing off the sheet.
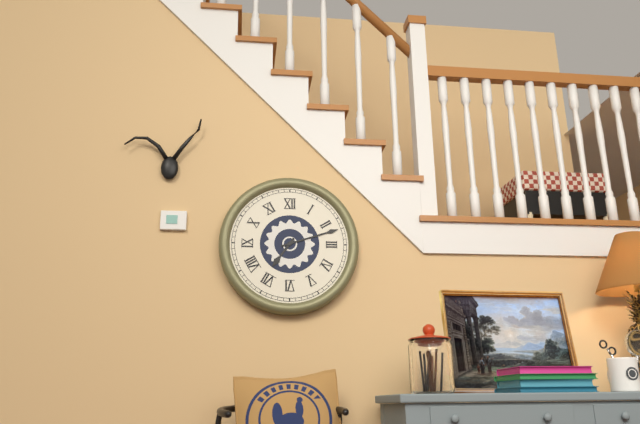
7:12
